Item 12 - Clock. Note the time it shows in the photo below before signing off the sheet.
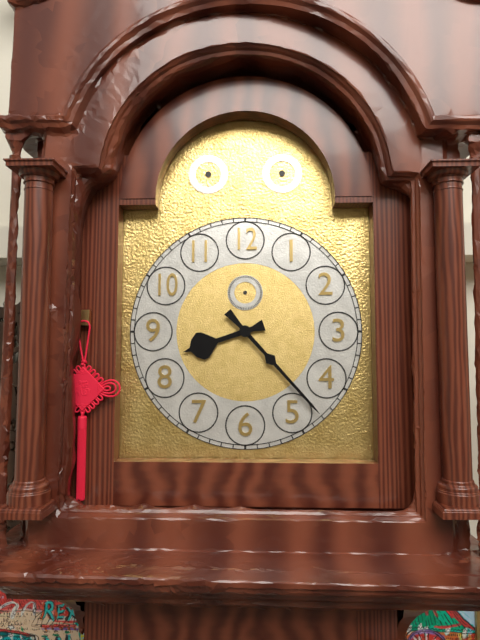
8:23
